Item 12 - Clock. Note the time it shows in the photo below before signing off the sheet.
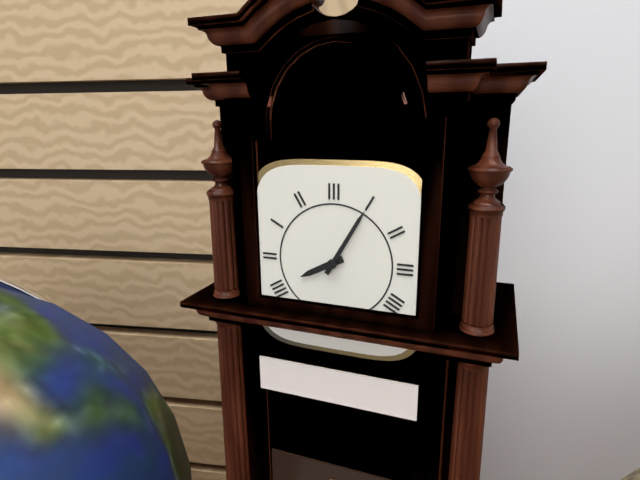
8:05
